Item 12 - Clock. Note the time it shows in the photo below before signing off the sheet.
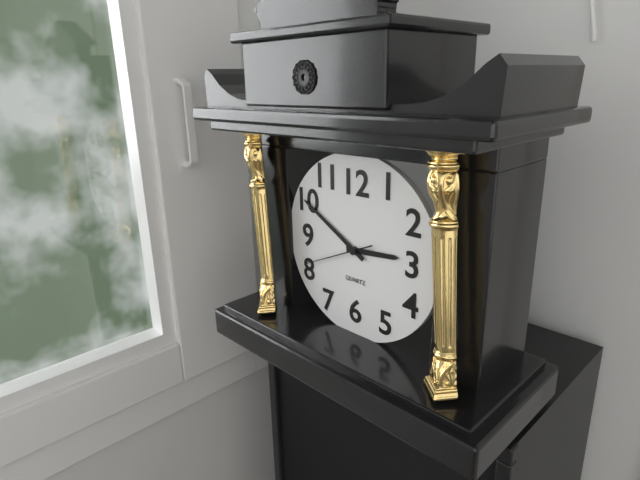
2:50:41
